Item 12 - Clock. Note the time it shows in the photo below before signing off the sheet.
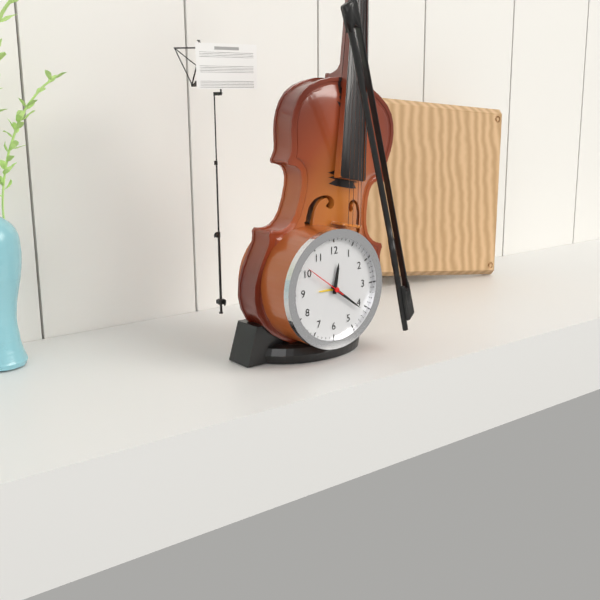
12:21
